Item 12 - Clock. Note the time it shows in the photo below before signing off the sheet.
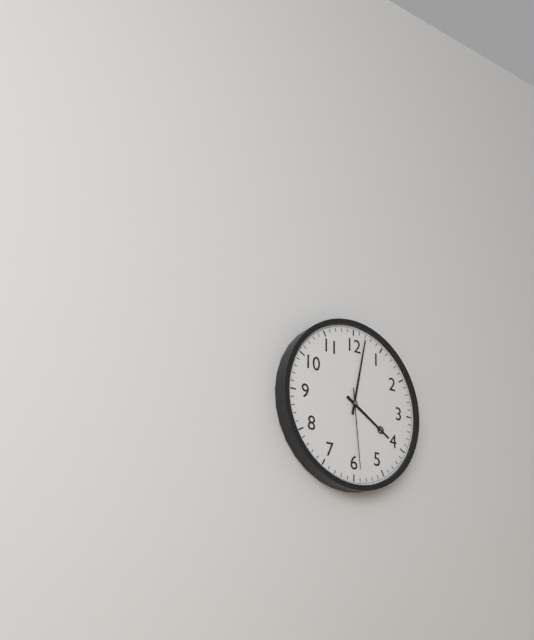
4:02:29
